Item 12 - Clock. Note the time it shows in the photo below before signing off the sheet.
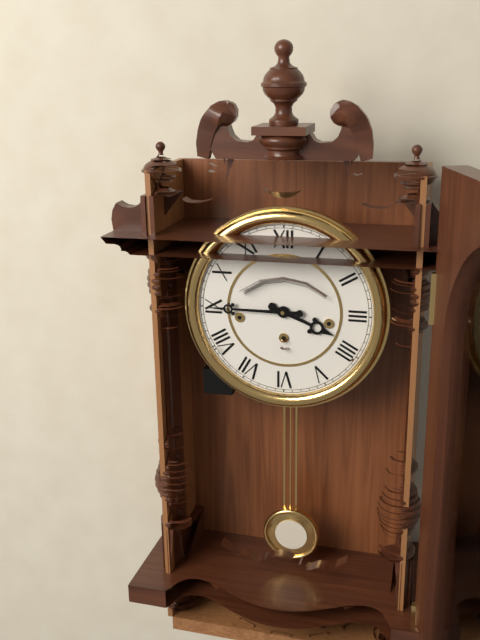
3:45
